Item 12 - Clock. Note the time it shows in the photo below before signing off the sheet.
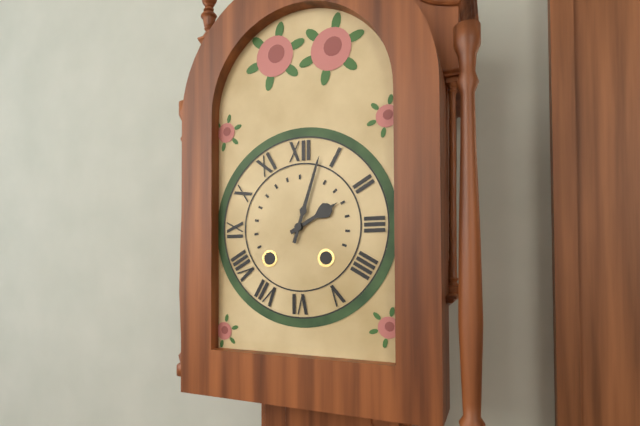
2:03
